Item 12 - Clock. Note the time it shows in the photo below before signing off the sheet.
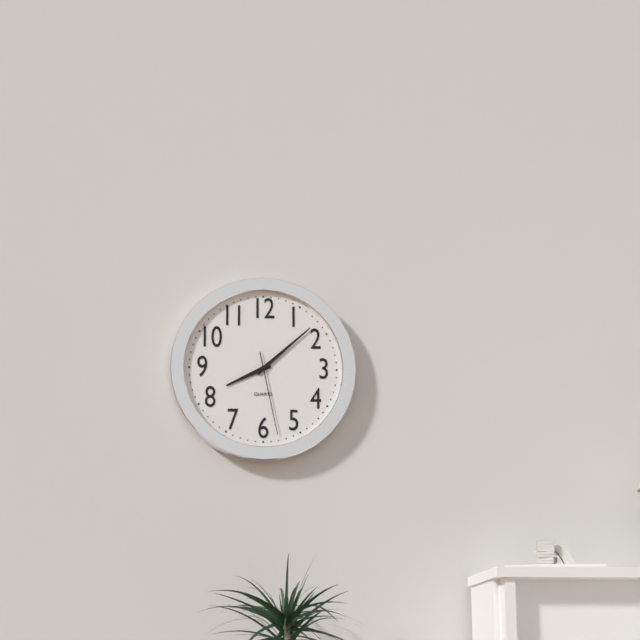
8:08:28
